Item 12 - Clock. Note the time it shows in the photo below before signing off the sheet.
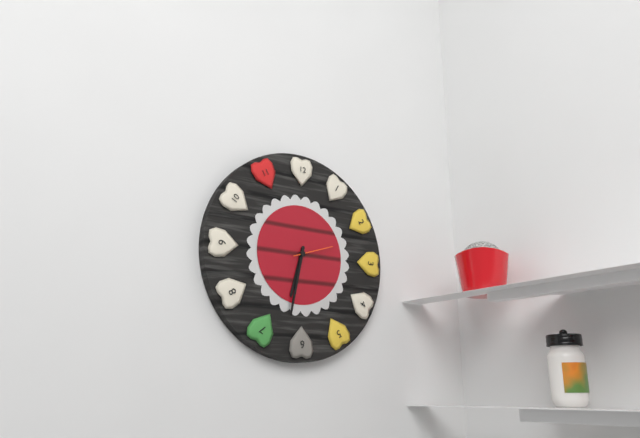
6:32
